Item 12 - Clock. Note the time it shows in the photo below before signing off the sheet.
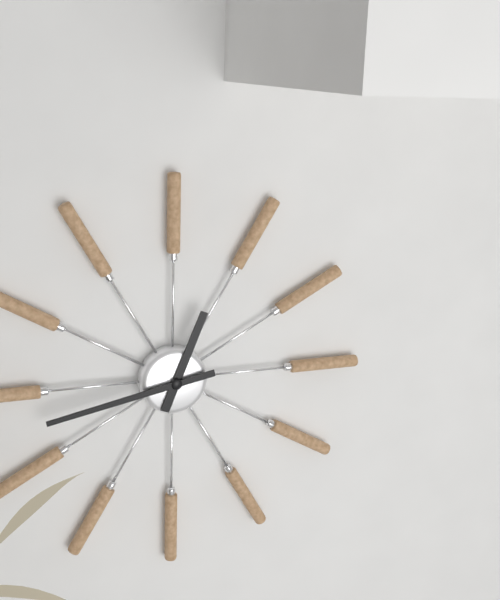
12:43
